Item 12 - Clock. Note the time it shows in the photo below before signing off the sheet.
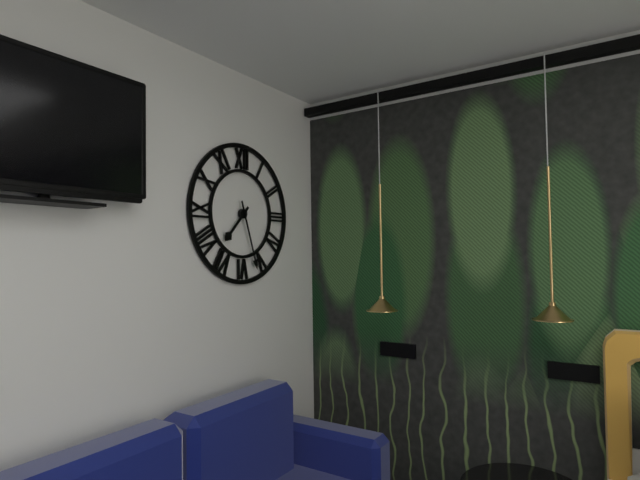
7:27
